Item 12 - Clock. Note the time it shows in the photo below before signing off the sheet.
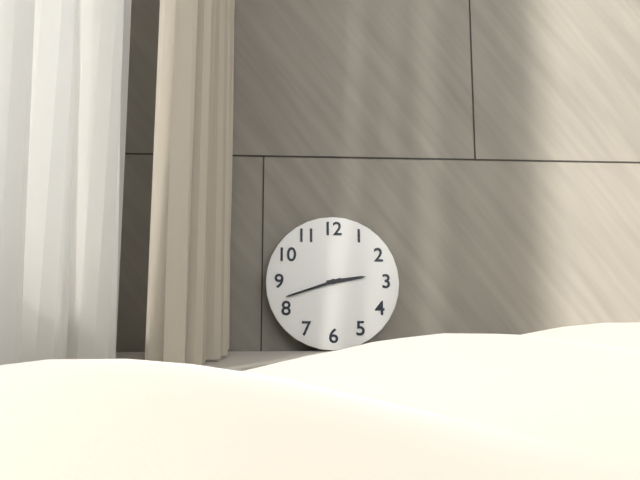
2:42
